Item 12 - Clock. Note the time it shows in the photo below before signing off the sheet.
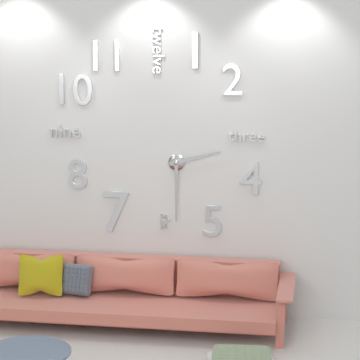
2:30
